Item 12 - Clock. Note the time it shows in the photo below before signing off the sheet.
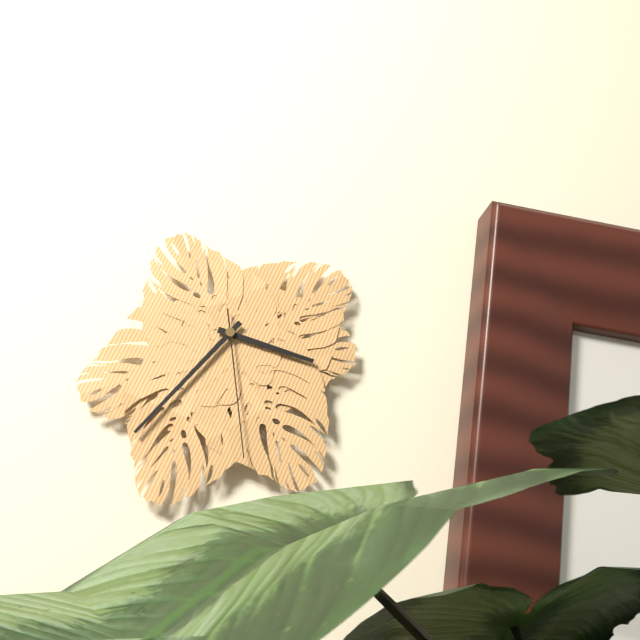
3:37:29
